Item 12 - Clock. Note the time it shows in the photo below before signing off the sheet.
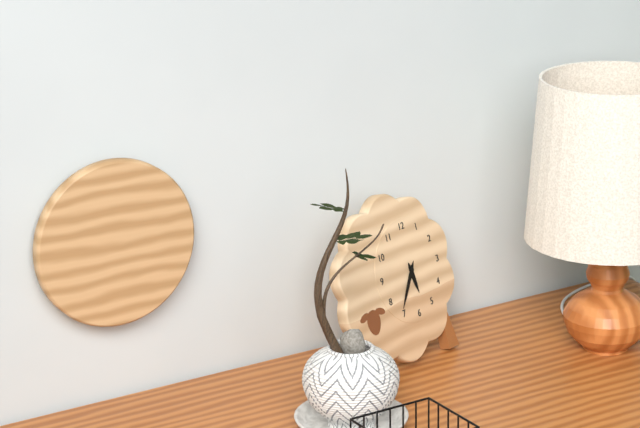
5:36
